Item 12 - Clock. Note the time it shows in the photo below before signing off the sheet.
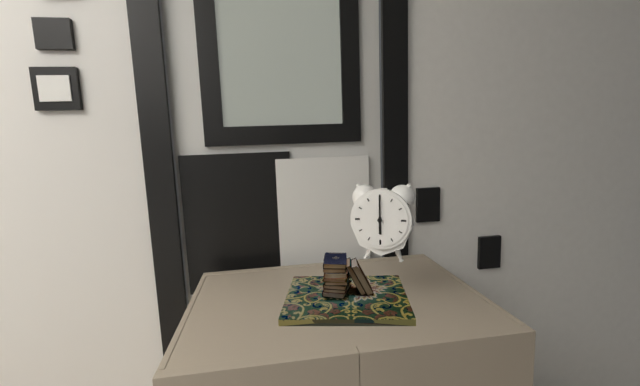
6:00
